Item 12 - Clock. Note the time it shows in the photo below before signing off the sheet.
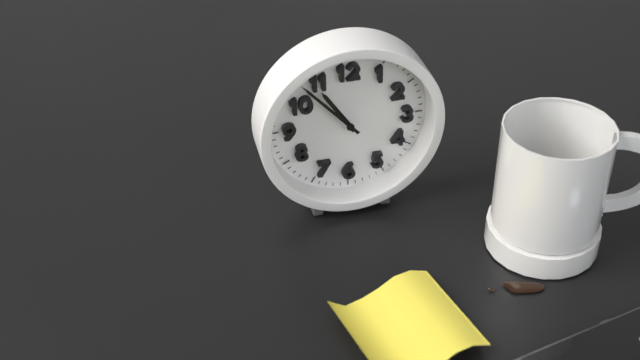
10:53
